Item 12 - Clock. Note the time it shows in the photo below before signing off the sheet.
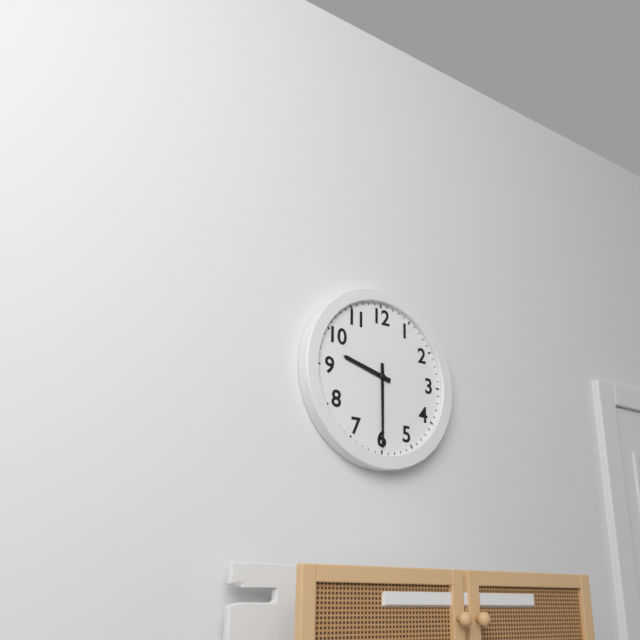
9:30
